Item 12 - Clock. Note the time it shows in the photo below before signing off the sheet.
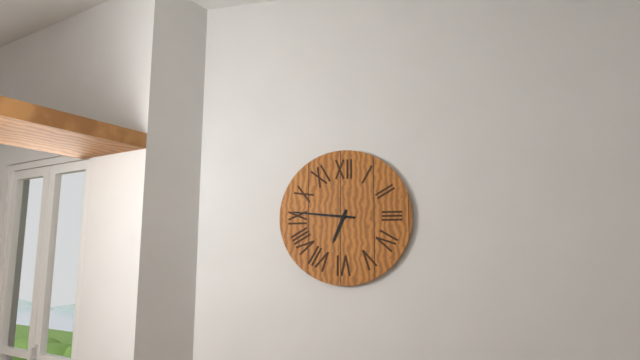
6:46
